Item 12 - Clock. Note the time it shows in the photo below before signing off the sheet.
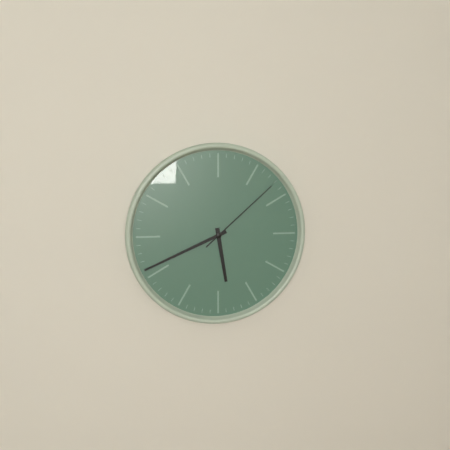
5:41:08
